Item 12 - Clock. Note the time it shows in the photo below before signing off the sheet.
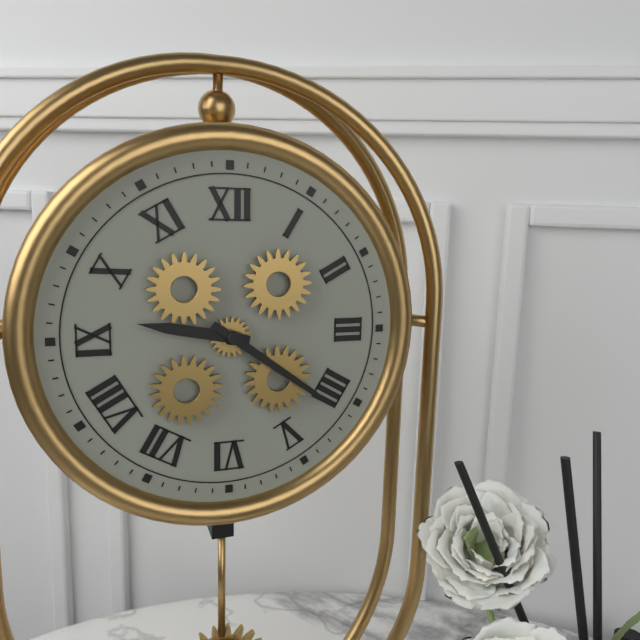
9:21
